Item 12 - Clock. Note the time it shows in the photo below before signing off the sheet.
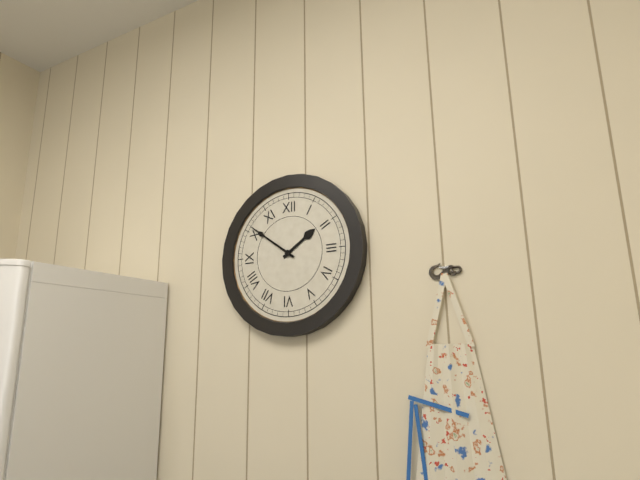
1:51
